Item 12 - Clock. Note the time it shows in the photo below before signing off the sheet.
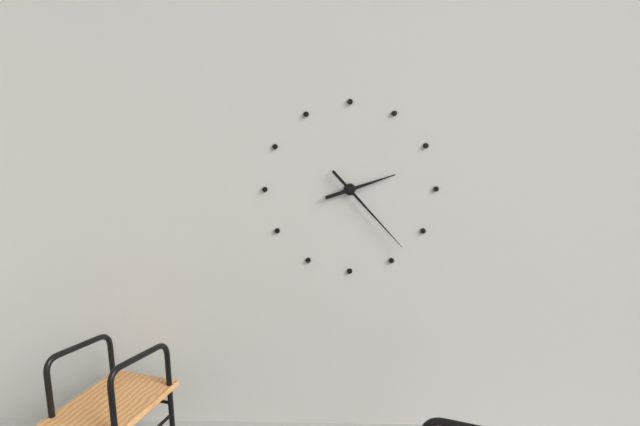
2:23
